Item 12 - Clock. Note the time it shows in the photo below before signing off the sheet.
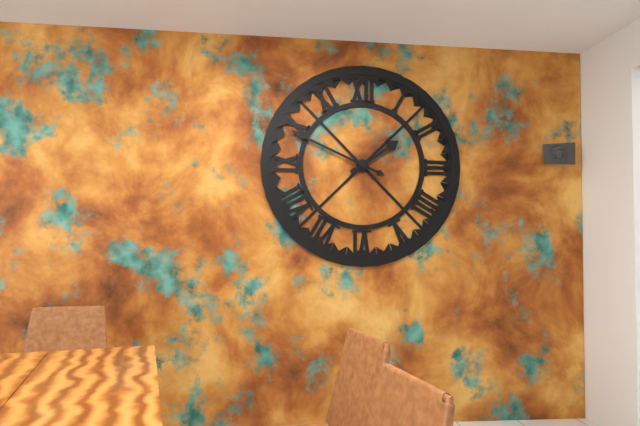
1:49
